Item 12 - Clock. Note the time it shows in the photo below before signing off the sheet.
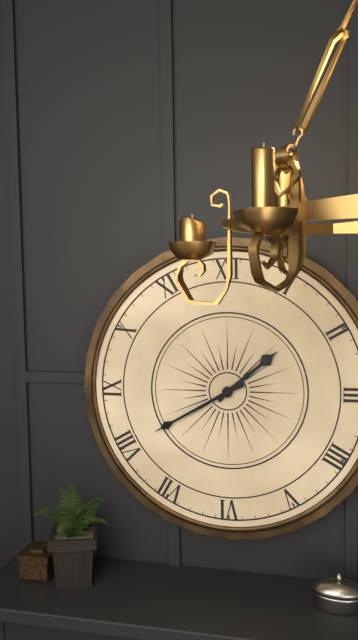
1:40
